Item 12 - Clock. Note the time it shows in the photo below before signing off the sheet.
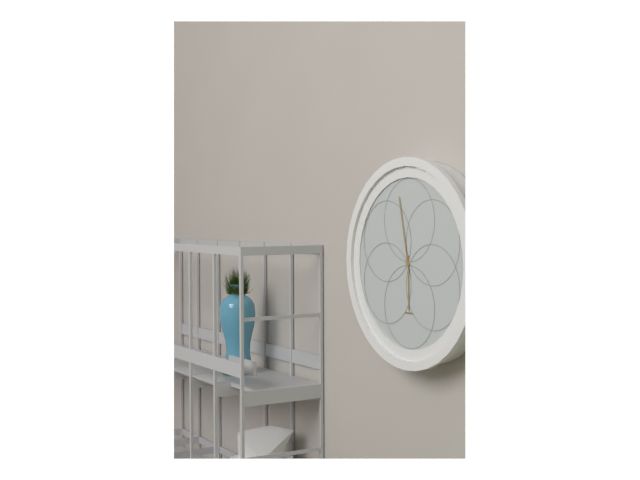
5:58
